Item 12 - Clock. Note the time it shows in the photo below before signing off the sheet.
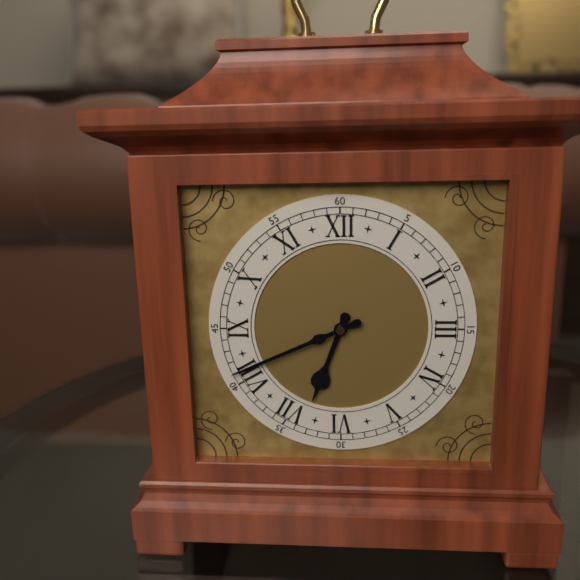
6:41
